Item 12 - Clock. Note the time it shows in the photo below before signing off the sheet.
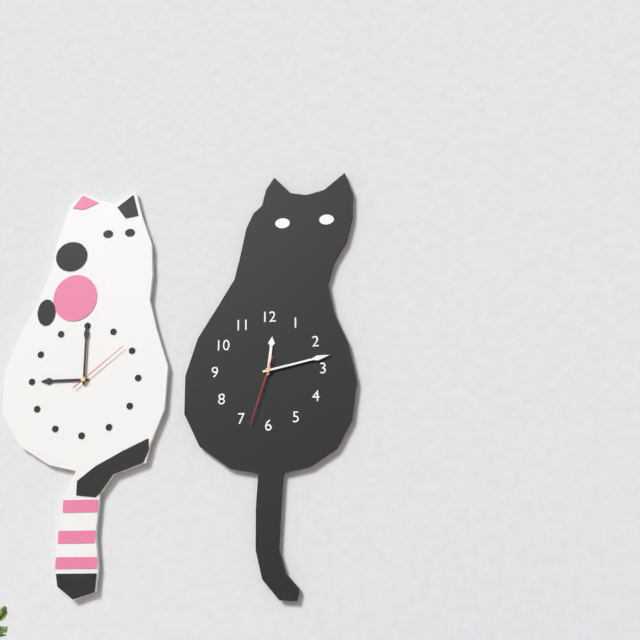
12:13:33
